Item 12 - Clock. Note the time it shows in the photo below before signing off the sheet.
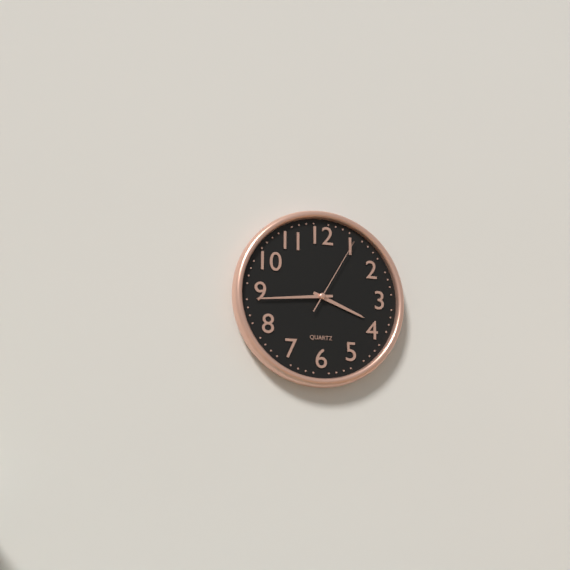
3:44:05
